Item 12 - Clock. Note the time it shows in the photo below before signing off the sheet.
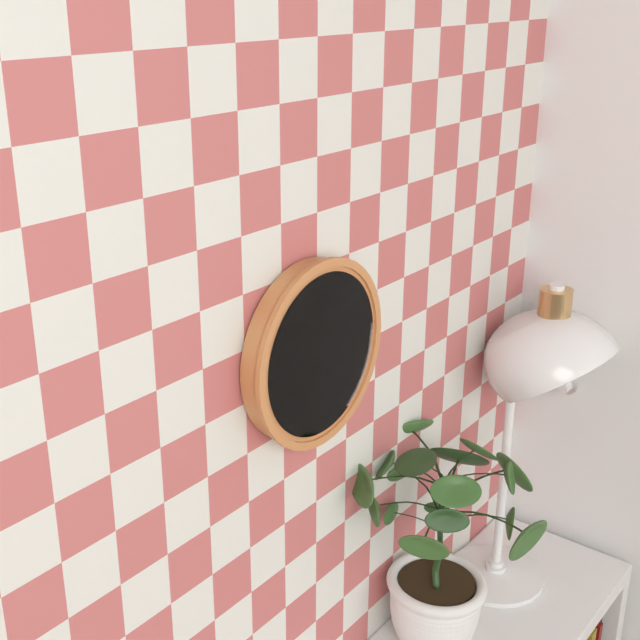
8:29
